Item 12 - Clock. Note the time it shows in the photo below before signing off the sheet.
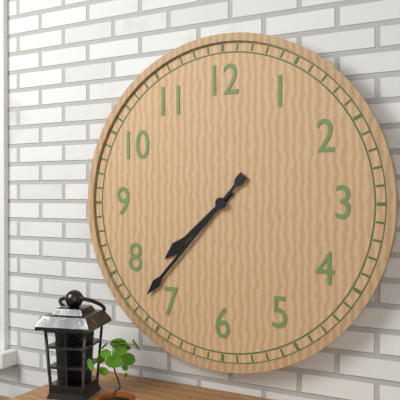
7:37
